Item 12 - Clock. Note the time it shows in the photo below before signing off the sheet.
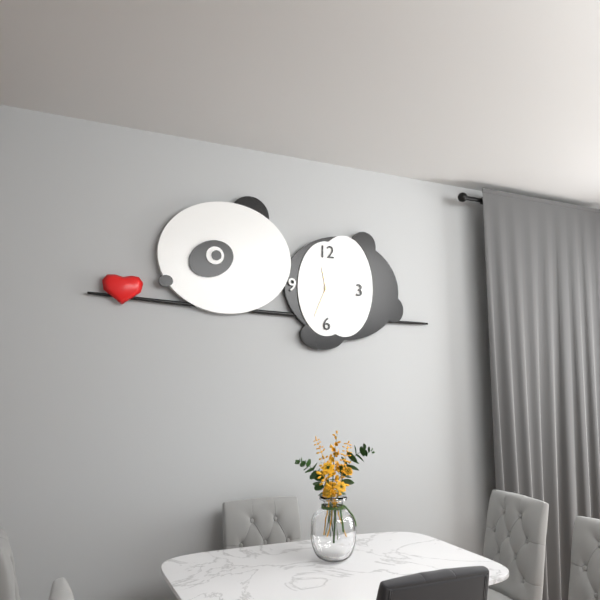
11:34
